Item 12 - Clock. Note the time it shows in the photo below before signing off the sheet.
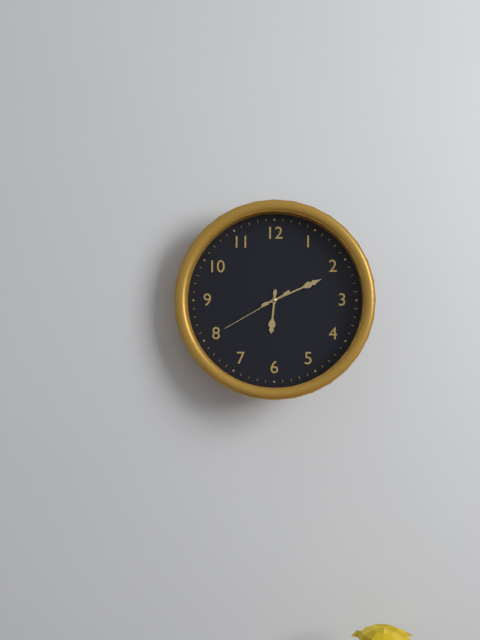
6:11:40
